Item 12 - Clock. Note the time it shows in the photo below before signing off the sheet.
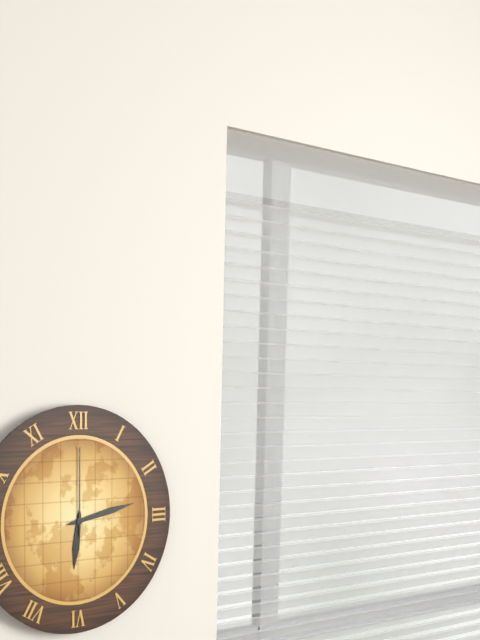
6:13:00
